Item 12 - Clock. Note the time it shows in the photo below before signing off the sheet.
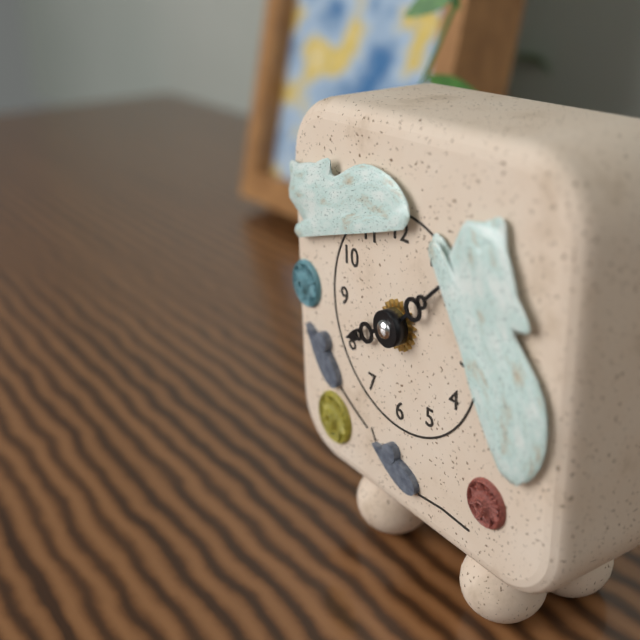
8:08
